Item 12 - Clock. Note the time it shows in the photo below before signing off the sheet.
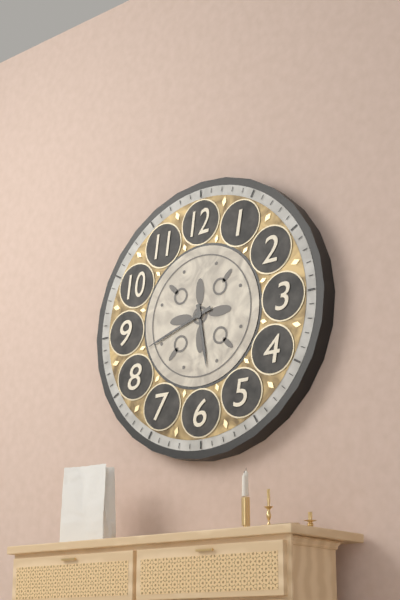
5:42
